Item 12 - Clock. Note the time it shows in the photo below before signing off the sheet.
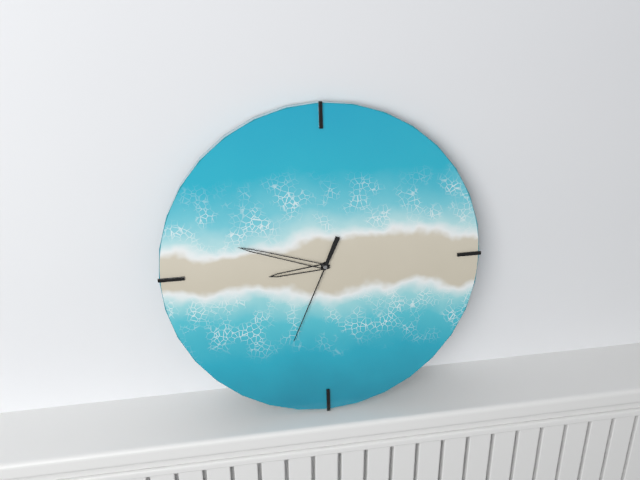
8:48:34
